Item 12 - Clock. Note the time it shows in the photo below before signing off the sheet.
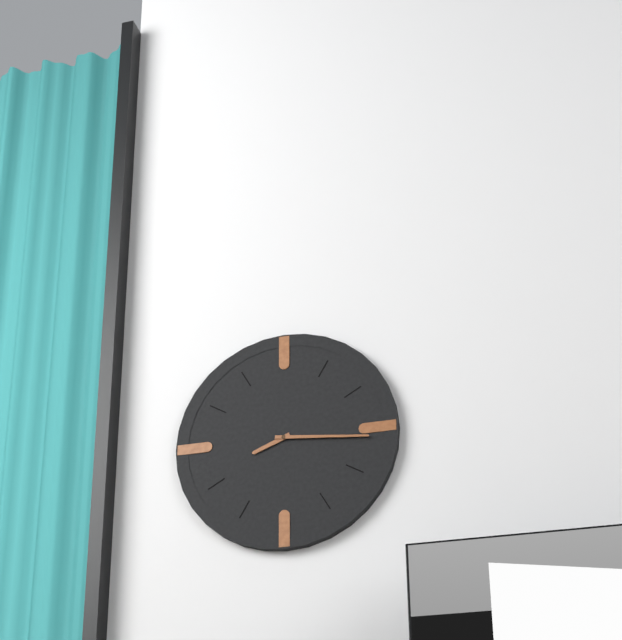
8:16
